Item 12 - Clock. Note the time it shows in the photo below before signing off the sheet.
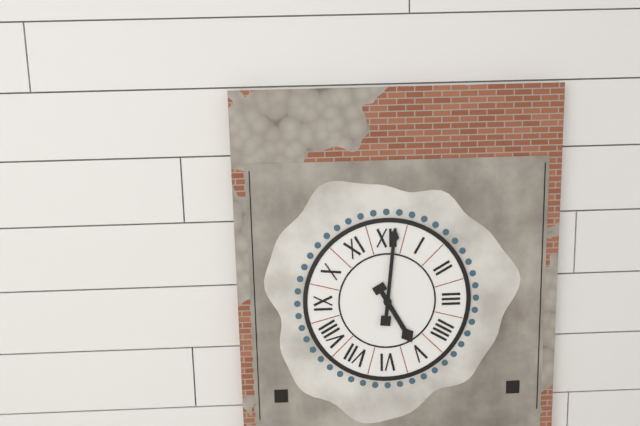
5:01
